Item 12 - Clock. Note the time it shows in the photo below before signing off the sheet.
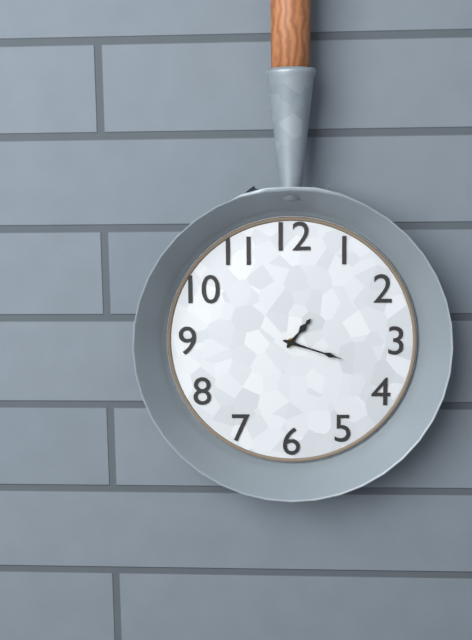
1:18
